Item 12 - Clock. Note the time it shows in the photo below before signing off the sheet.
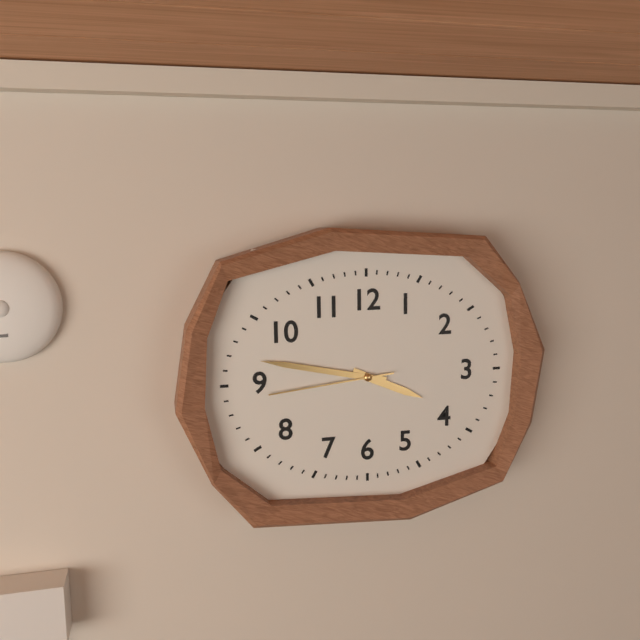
3:47:44
